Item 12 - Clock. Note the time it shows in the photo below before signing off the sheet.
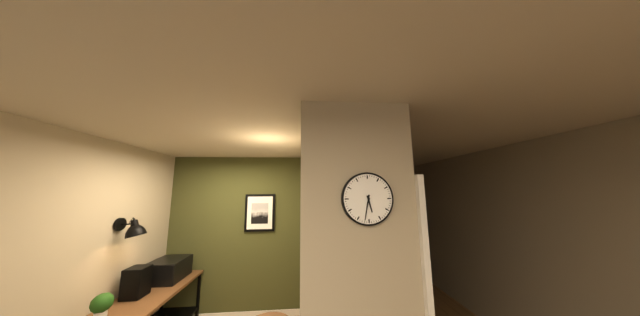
5:32
